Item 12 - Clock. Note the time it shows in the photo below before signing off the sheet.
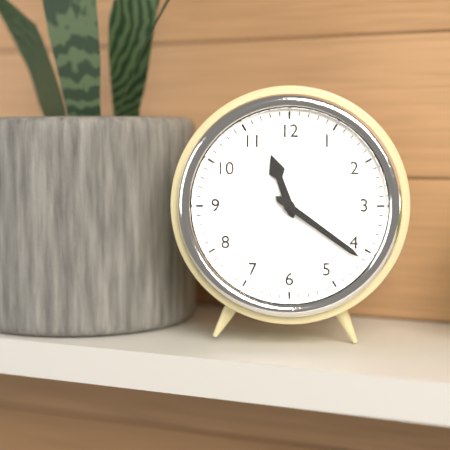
11:21
